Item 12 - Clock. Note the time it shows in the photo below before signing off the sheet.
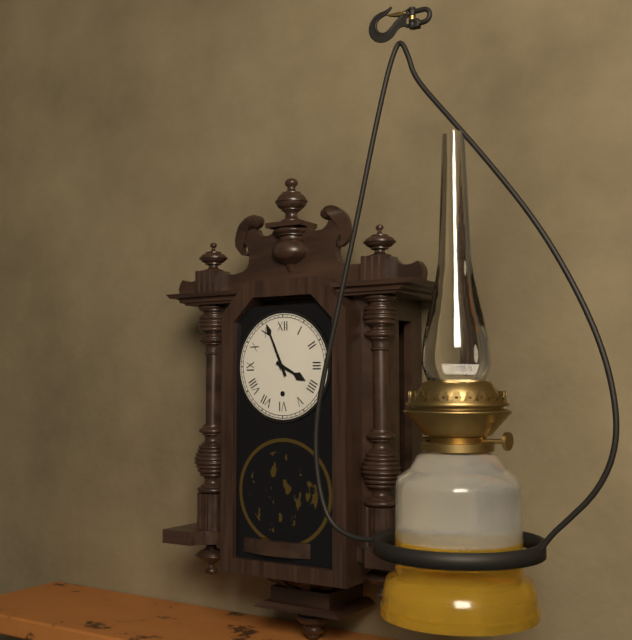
3:56
